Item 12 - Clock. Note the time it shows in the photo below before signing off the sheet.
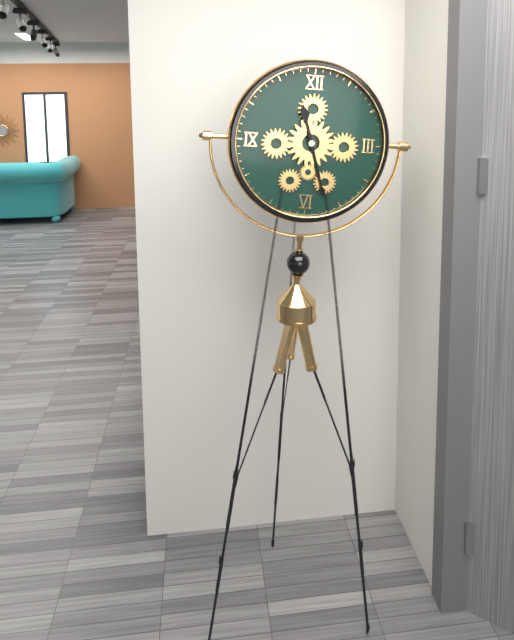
11:27
